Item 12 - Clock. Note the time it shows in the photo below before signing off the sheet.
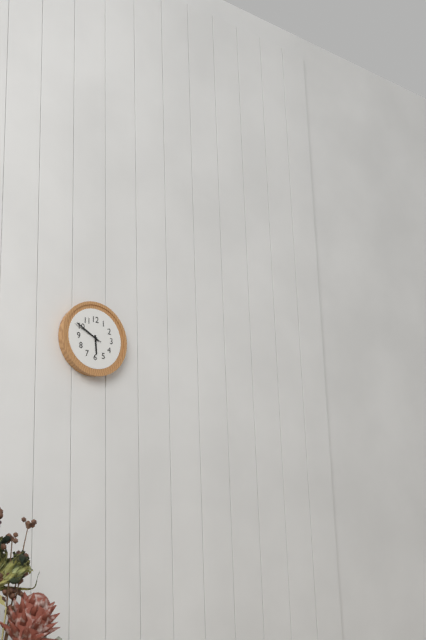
5:50
